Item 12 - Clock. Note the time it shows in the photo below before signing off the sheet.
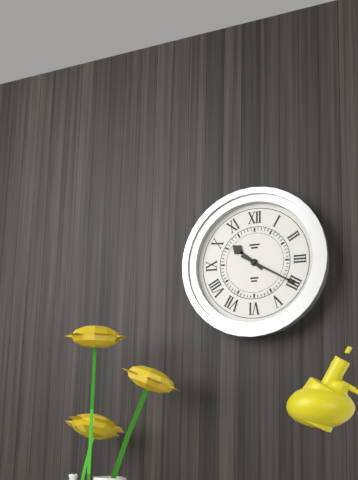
10:20
